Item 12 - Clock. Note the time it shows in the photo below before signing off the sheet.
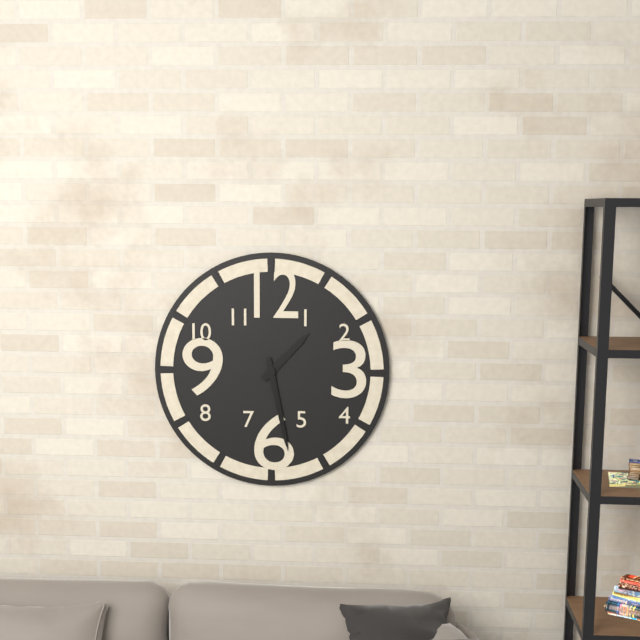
1:28
